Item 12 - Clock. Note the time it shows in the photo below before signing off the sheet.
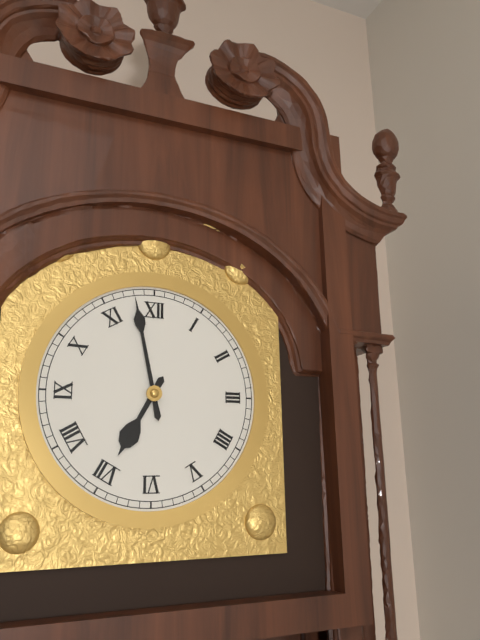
6:58
